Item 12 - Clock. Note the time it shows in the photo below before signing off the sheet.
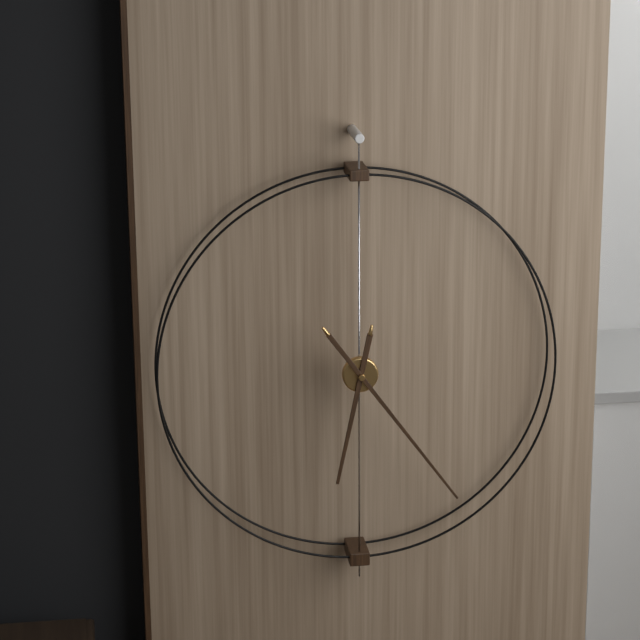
6:24
